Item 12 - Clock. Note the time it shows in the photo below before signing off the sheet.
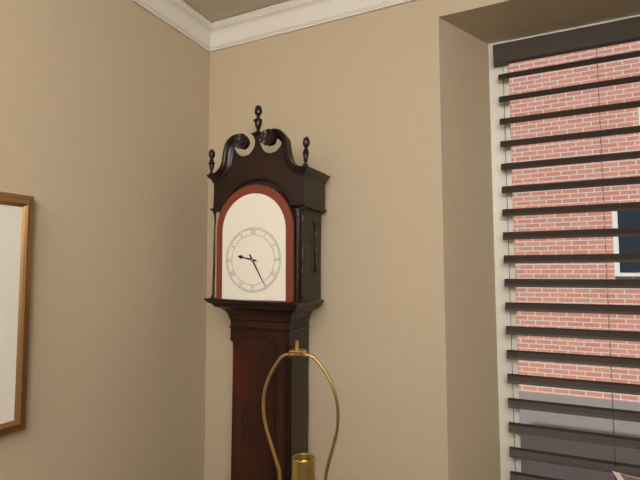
9:25
